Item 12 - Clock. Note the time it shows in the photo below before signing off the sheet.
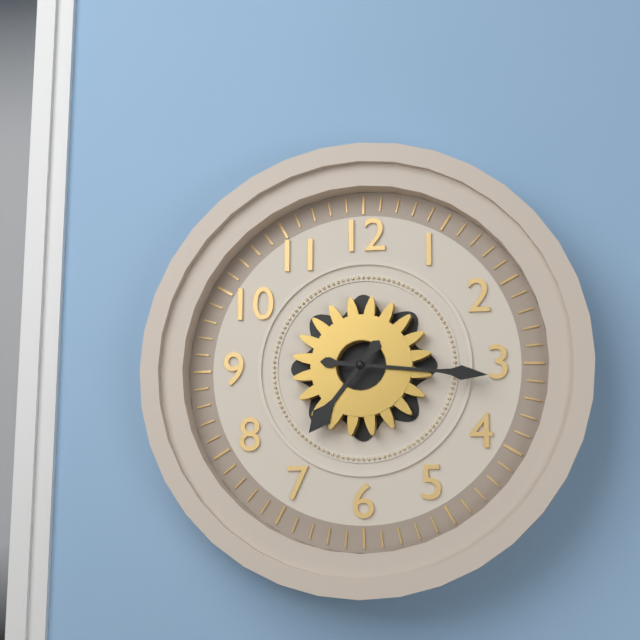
7:16
